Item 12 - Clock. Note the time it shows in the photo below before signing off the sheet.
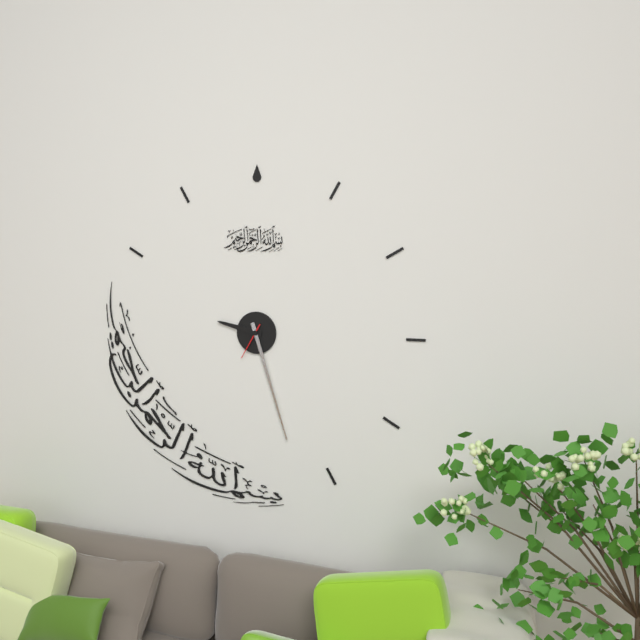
9:27
